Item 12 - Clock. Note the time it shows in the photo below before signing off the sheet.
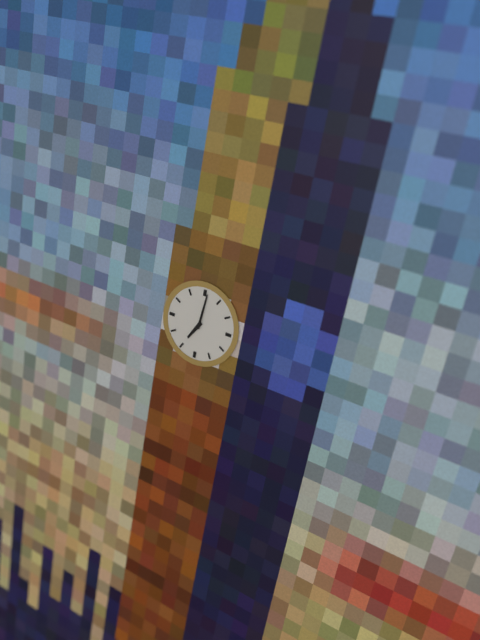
7:01
